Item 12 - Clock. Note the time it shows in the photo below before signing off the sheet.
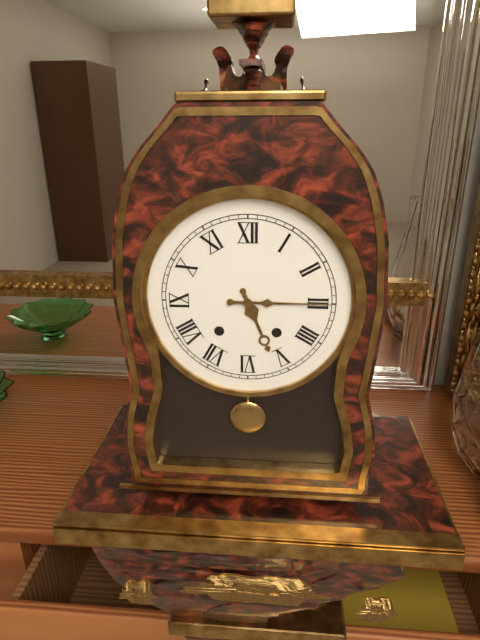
5:15
